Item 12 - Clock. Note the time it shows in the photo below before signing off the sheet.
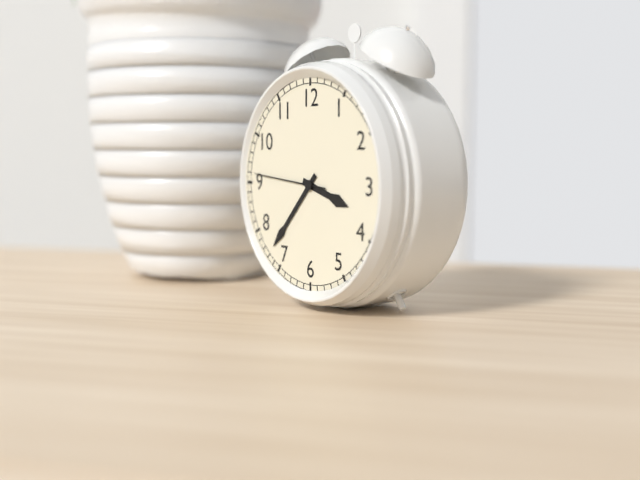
3:37:46
